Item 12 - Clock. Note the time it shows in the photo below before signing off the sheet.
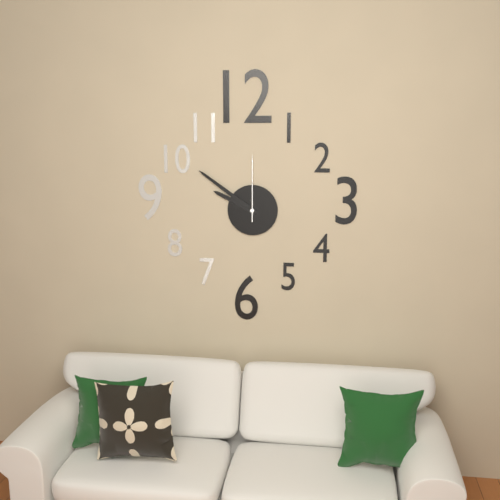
9:51:00
